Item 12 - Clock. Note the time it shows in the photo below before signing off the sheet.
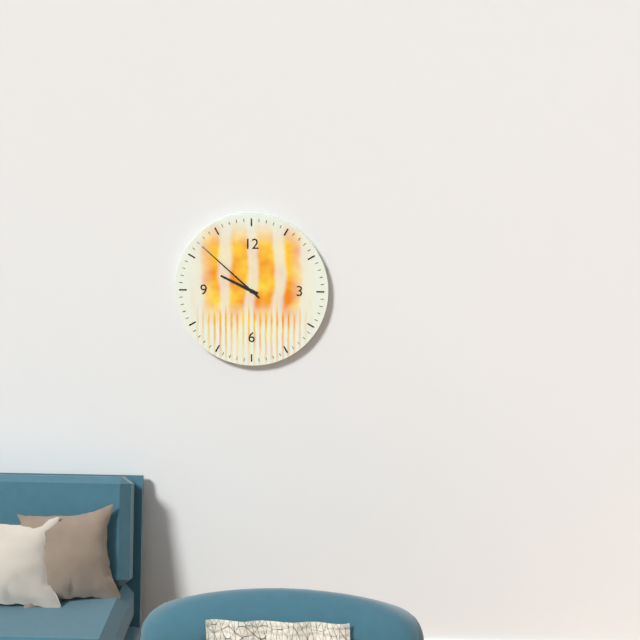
9:52
